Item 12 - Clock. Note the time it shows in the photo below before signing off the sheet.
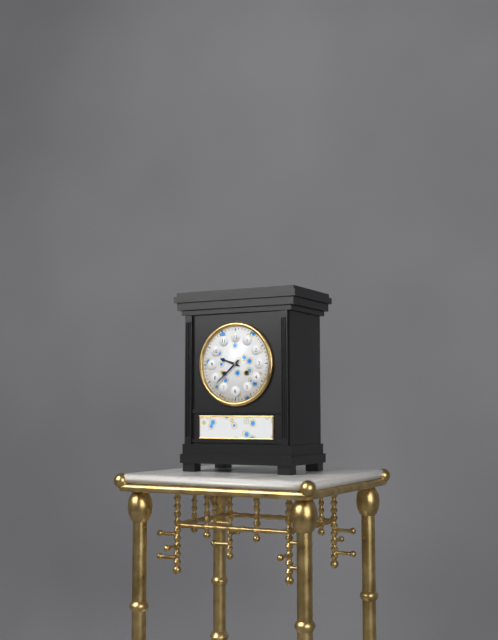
9:38
